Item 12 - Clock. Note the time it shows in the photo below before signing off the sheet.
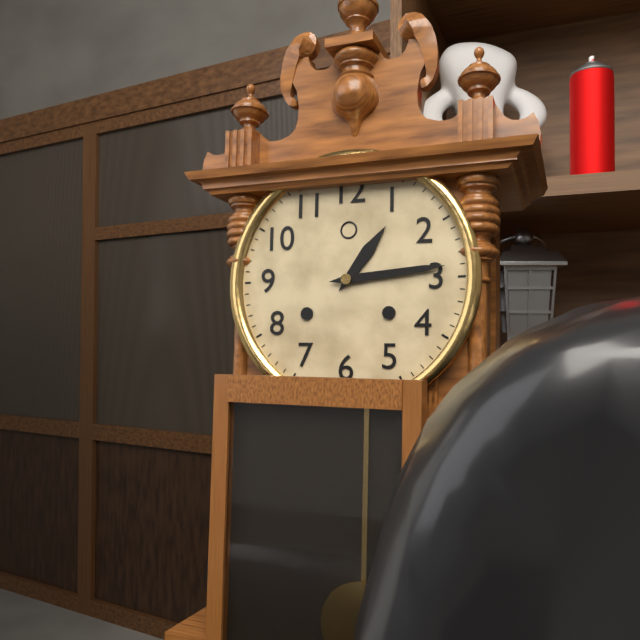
1:14
